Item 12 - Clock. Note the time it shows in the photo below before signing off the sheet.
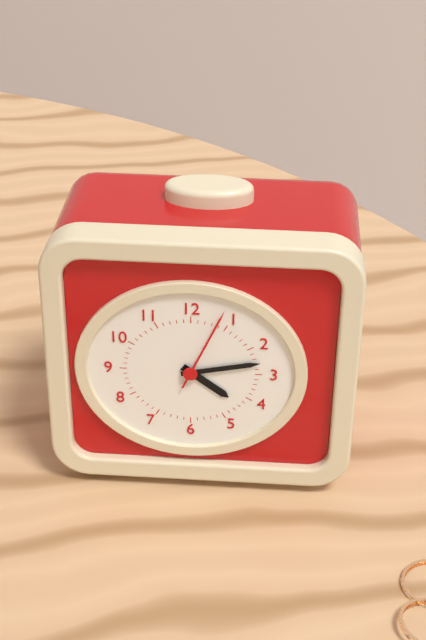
4:13:04
